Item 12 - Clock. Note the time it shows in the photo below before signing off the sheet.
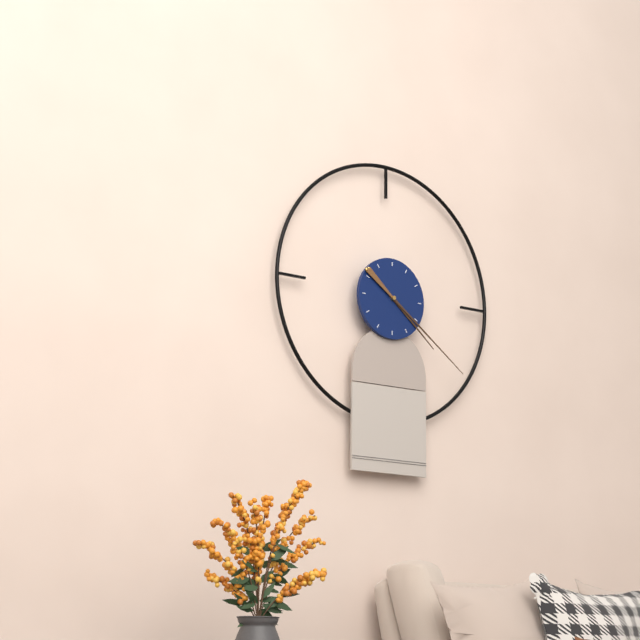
4:21
